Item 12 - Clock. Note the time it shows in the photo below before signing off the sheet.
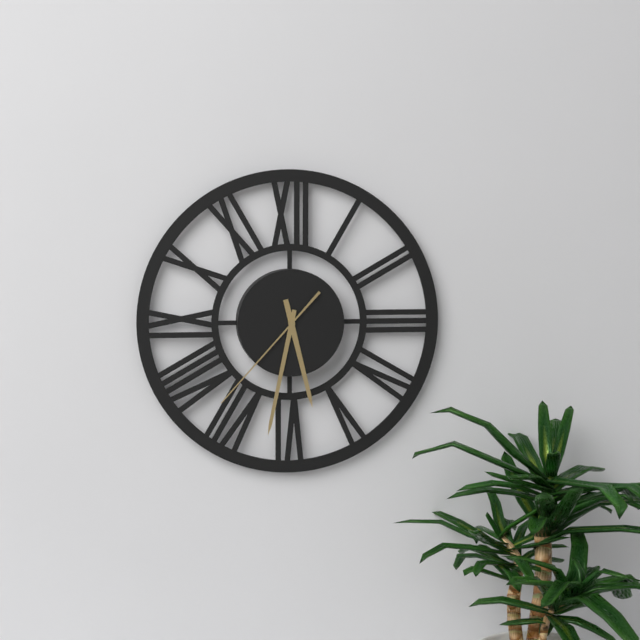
5:32:37
